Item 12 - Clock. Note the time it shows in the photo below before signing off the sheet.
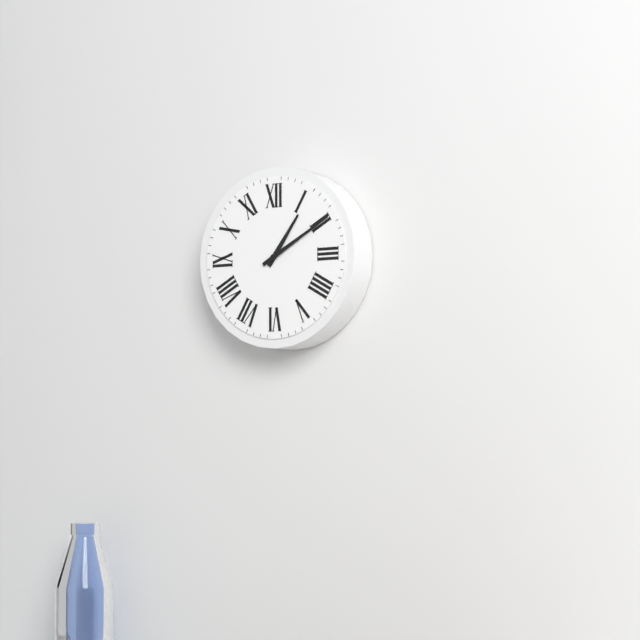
1:10
